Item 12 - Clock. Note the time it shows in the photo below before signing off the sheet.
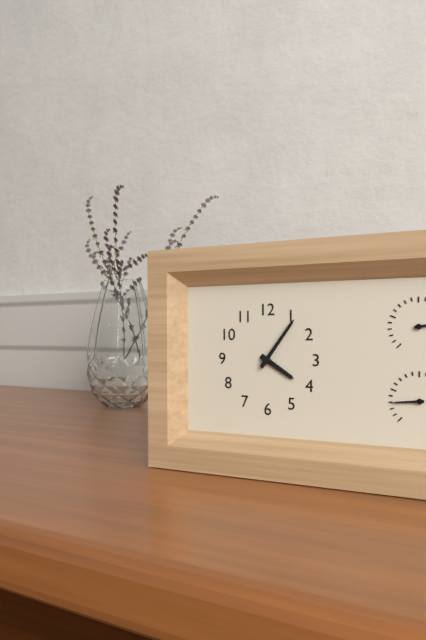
4:06
